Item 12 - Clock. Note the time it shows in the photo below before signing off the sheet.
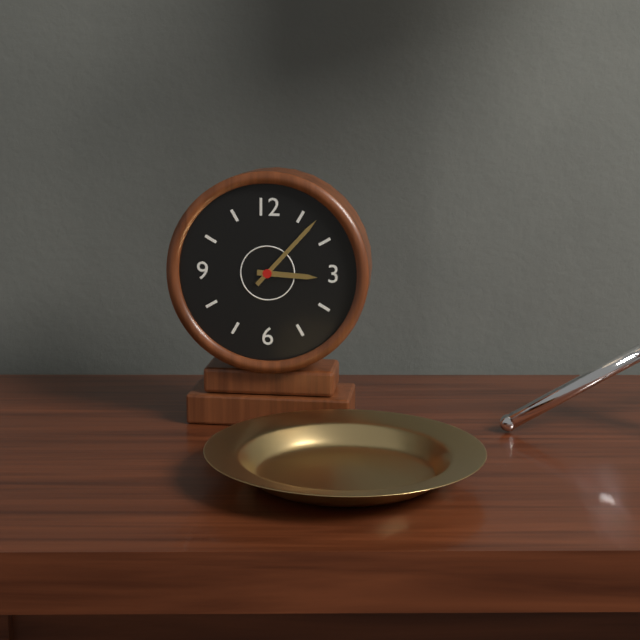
3:07
